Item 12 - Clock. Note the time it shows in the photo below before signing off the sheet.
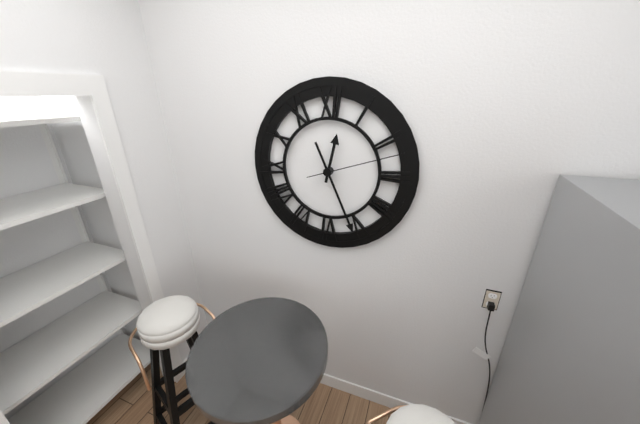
12:26:12
